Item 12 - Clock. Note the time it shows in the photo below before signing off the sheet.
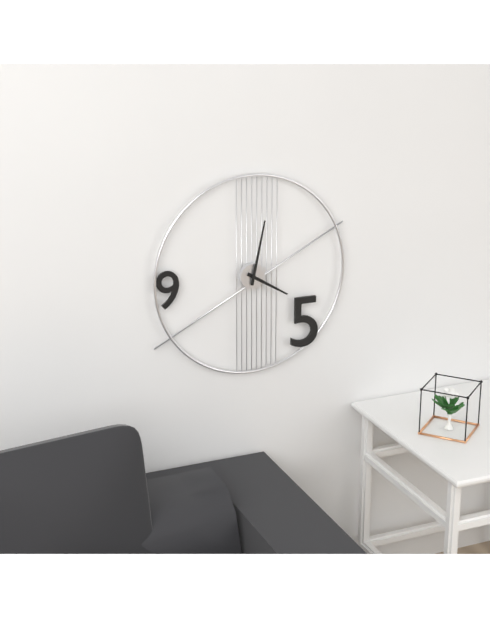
4:02
